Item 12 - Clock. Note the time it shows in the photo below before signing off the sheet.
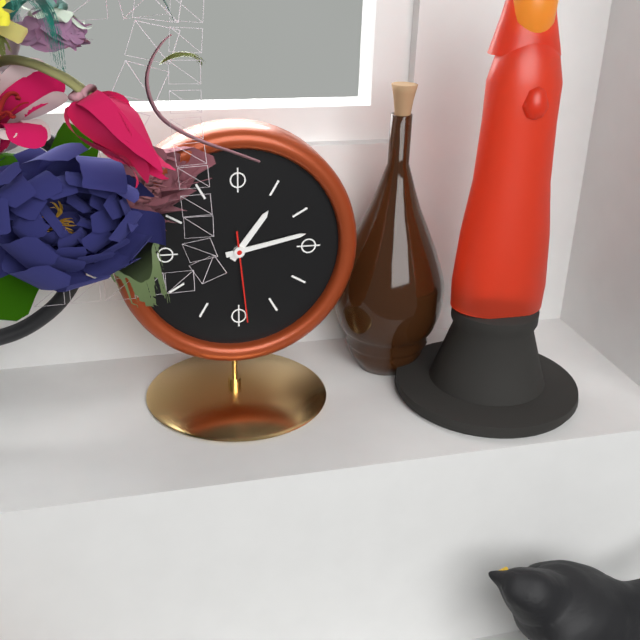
1:13:29
